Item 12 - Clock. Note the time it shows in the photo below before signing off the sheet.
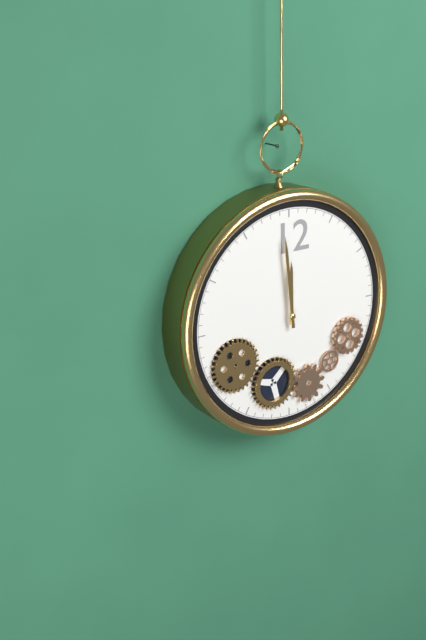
11:59
